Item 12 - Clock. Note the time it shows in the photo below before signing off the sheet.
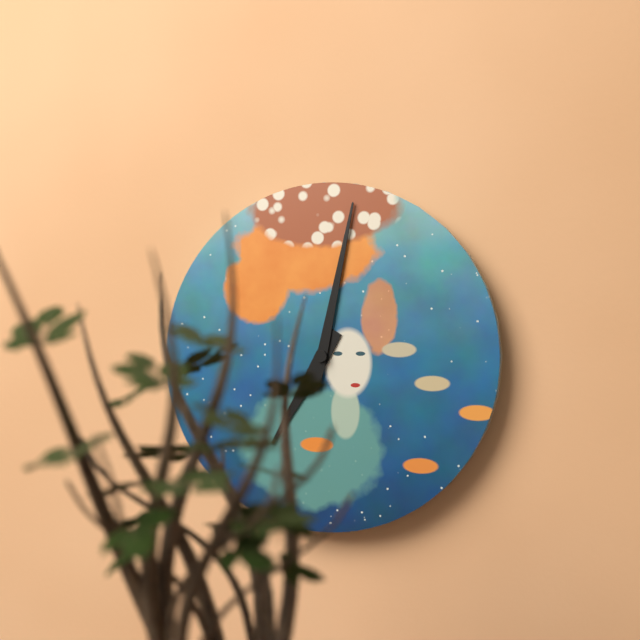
7:02
